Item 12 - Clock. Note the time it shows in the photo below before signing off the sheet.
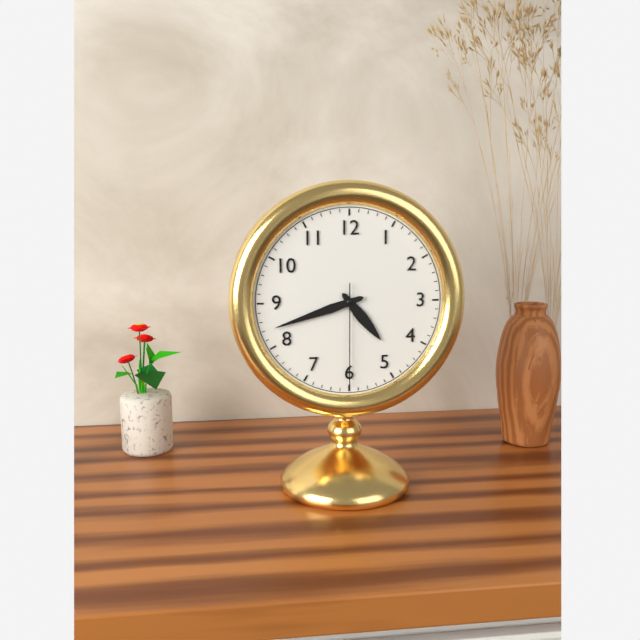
4:42:30
